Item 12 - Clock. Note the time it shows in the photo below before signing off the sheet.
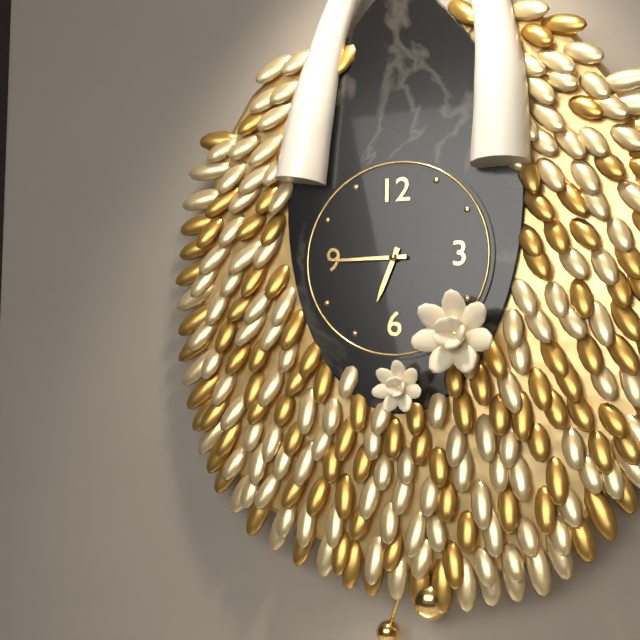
6:45
